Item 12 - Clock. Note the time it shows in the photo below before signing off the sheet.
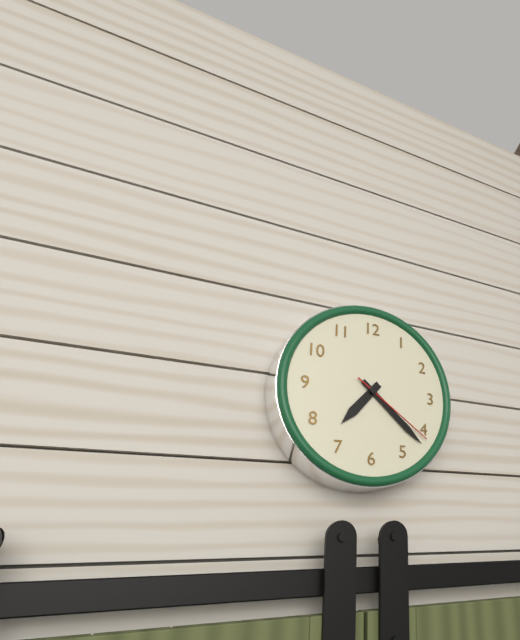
7:22:21
